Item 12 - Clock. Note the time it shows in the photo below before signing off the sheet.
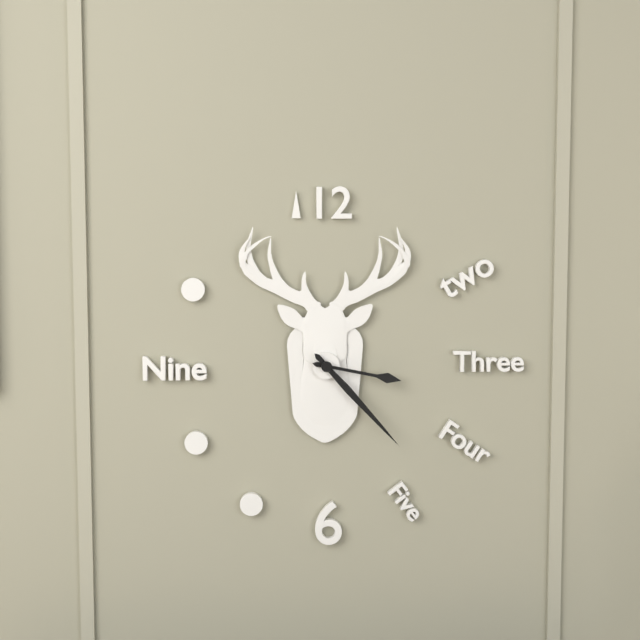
3:23
